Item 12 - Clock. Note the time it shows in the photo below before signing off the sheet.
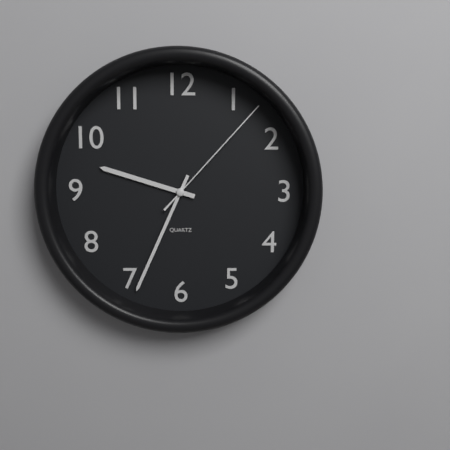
9:34:07
